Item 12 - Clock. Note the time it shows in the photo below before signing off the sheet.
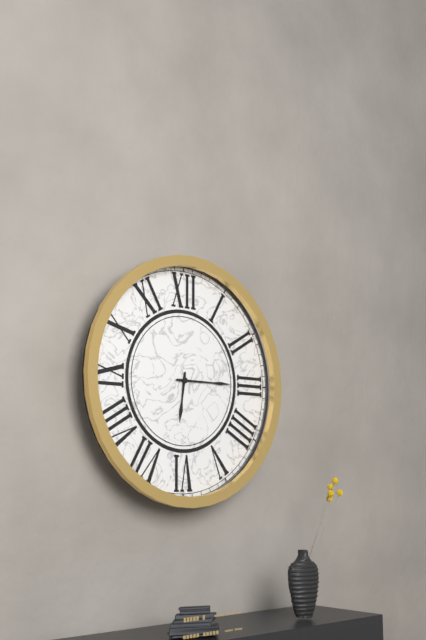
6:15
